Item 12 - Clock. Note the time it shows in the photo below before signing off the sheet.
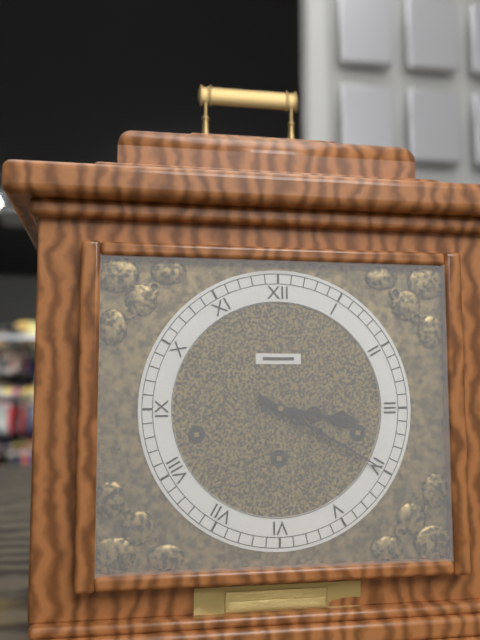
3:20
